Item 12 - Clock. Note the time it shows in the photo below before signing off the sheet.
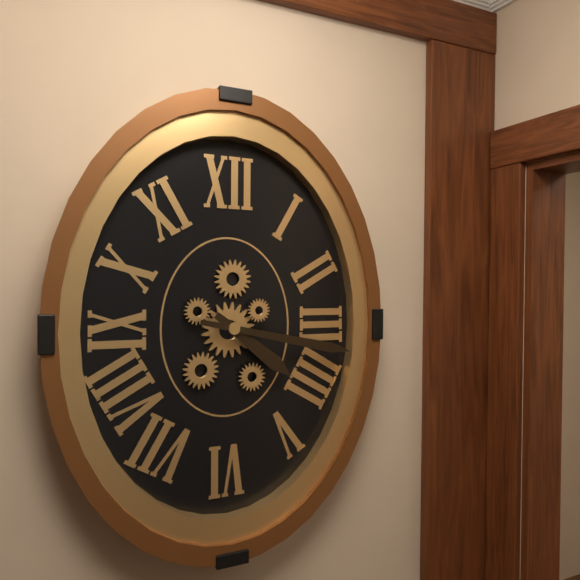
4:17
